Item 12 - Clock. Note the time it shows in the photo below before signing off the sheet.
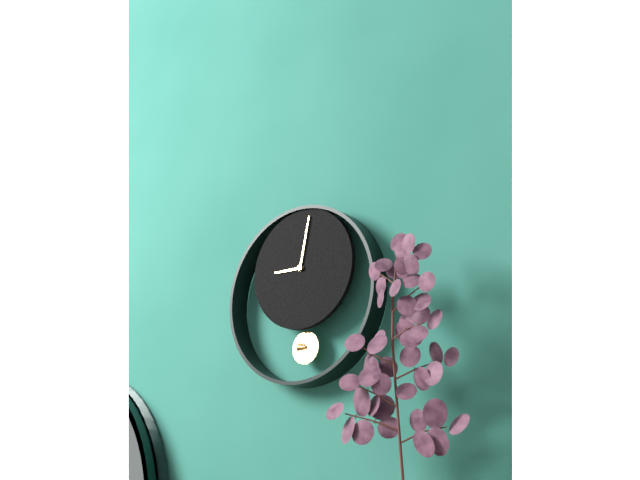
9:02
